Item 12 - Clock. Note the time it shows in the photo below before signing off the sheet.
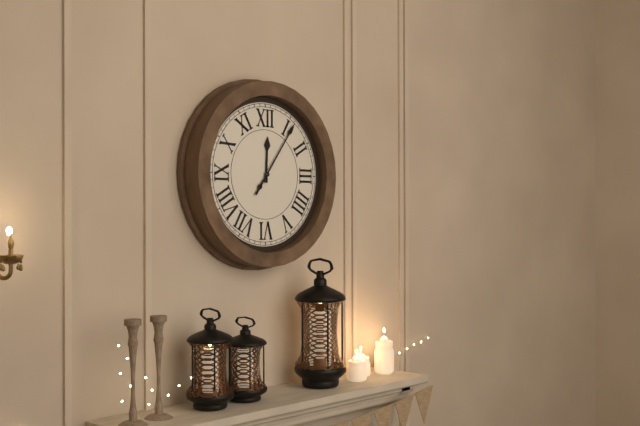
12:06
